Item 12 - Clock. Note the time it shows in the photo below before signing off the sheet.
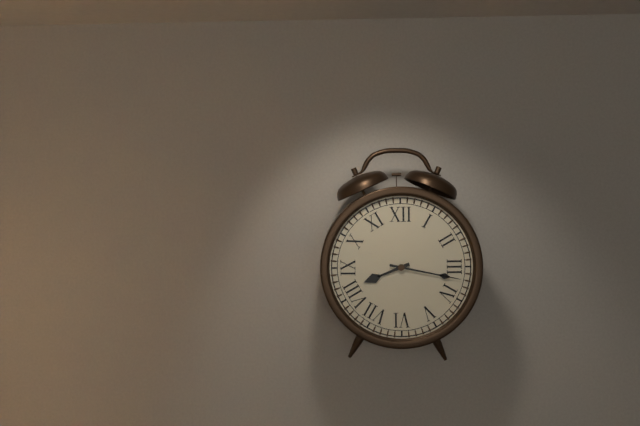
8:17
